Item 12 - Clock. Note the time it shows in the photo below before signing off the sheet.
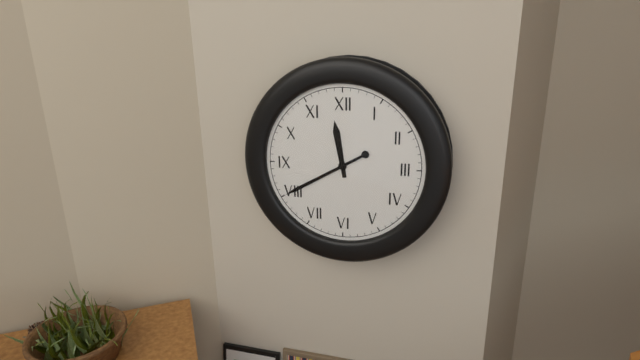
11:40
